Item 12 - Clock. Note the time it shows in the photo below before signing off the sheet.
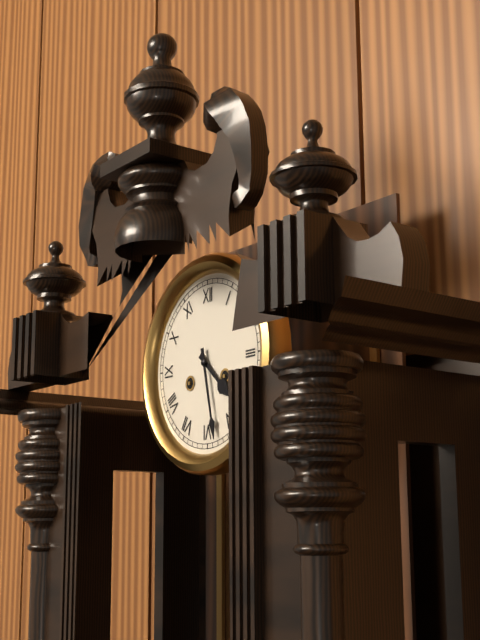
4:28
